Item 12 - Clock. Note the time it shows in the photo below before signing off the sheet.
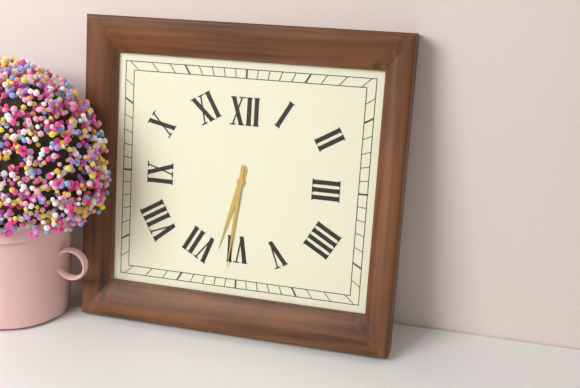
6:31
